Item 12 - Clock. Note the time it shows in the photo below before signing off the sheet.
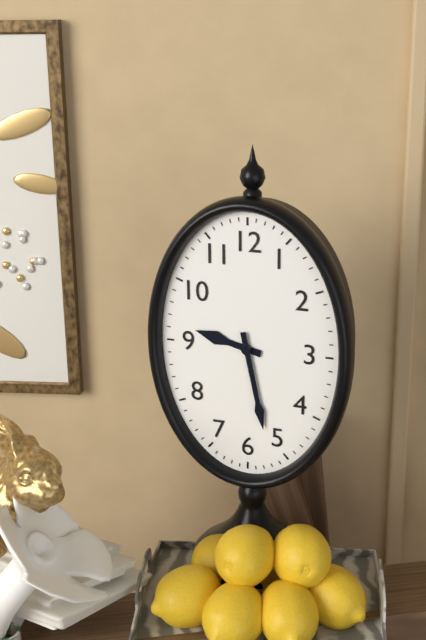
9:28
